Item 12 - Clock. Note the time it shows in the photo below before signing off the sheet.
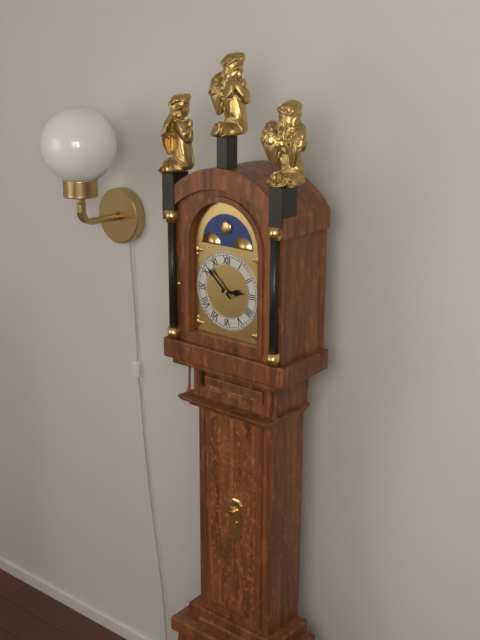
2:52
